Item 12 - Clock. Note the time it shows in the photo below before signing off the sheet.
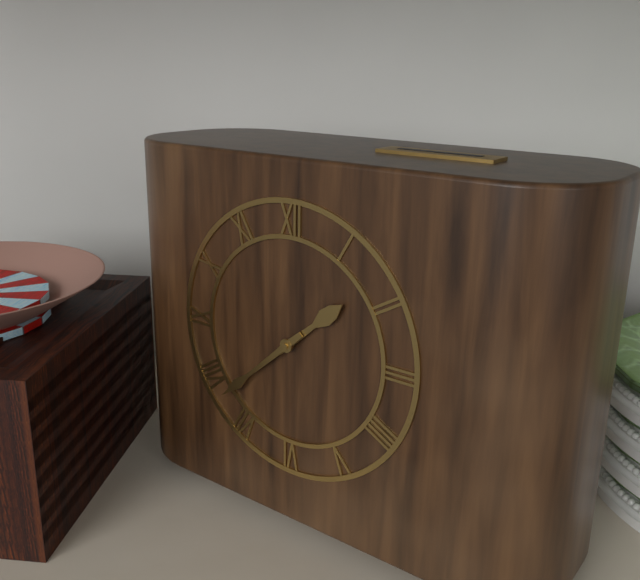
1:38
